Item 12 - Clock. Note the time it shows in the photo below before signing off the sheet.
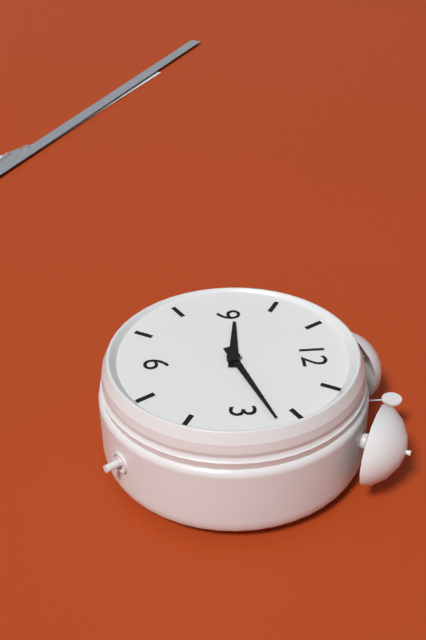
9:12
